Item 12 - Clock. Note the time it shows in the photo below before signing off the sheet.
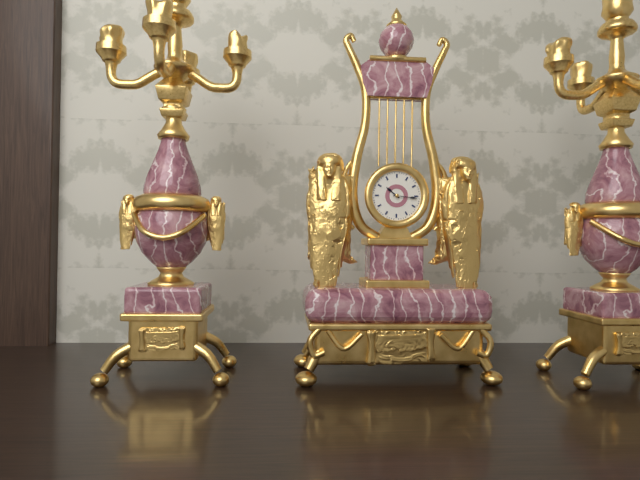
10:16
